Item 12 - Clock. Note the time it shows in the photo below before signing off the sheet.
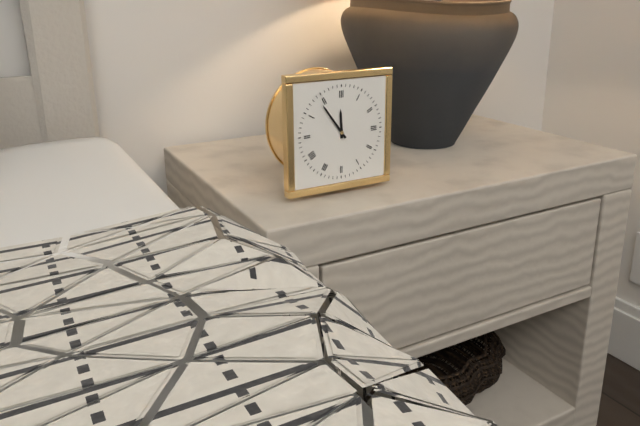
11:54
